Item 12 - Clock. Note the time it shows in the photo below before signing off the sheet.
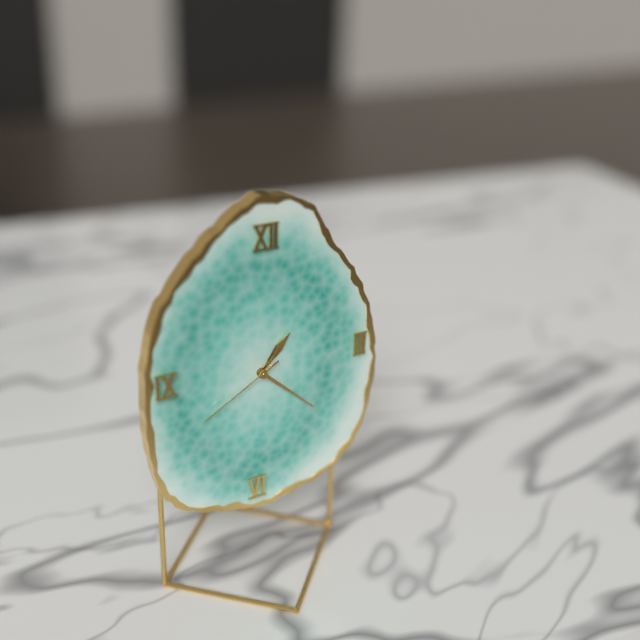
1:22:40
